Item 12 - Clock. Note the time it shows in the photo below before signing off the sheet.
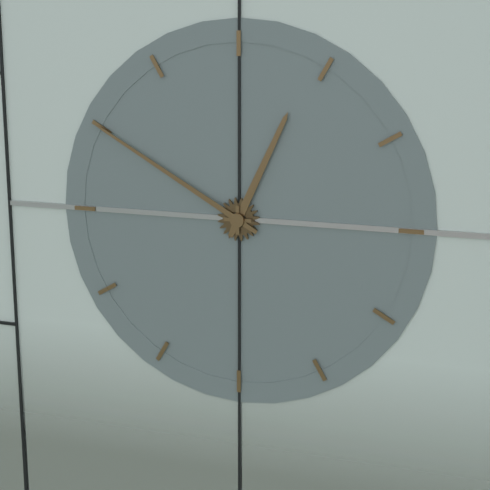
12:50
